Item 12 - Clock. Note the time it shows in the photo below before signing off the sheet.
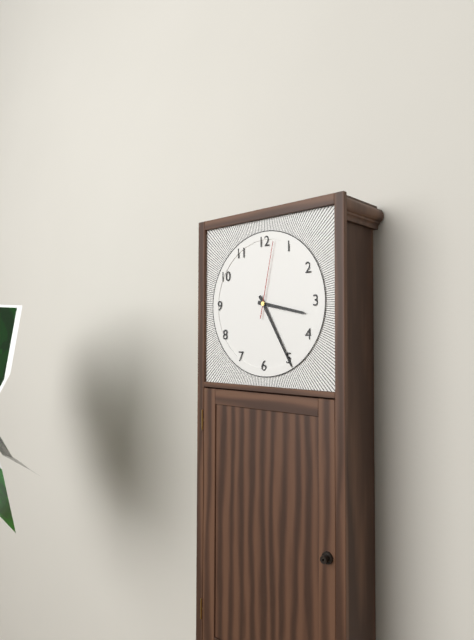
3:25:02
